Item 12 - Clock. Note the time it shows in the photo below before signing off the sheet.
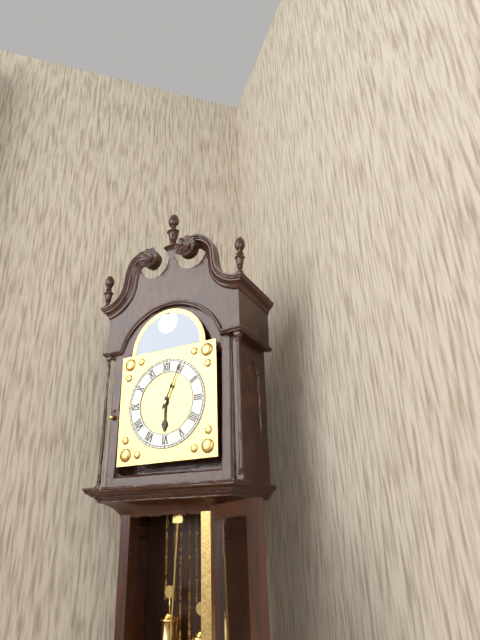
6:04
